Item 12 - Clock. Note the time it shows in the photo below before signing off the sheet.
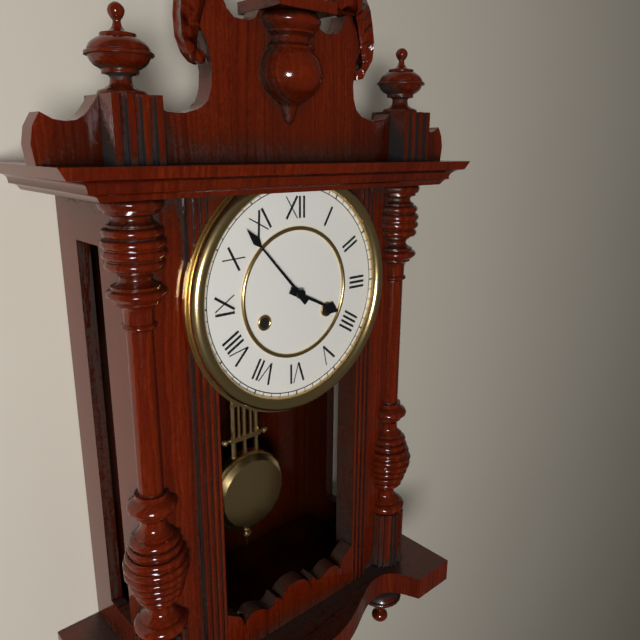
3:53
